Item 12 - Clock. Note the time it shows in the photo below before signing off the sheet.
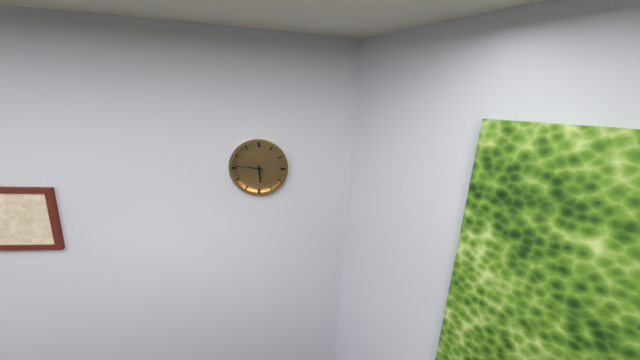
5:46
